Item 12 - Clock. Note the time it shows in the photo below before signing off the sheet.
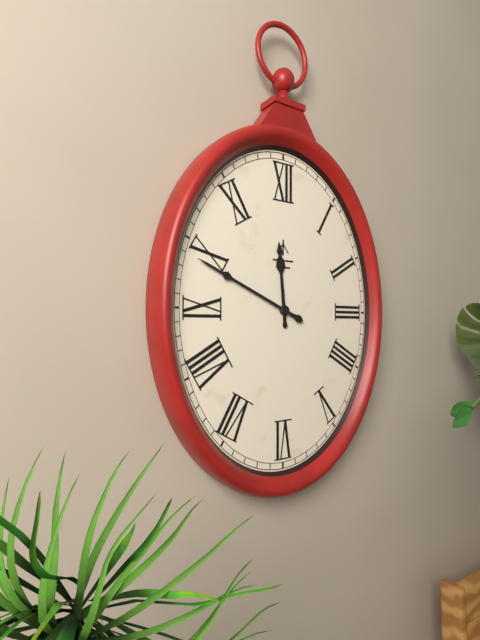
11:49
